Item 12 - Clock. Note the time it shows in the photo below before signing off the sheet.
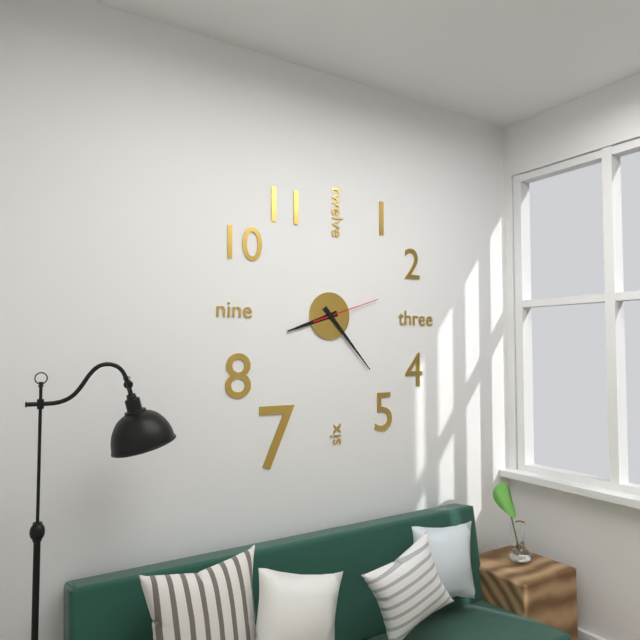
8:23:12
